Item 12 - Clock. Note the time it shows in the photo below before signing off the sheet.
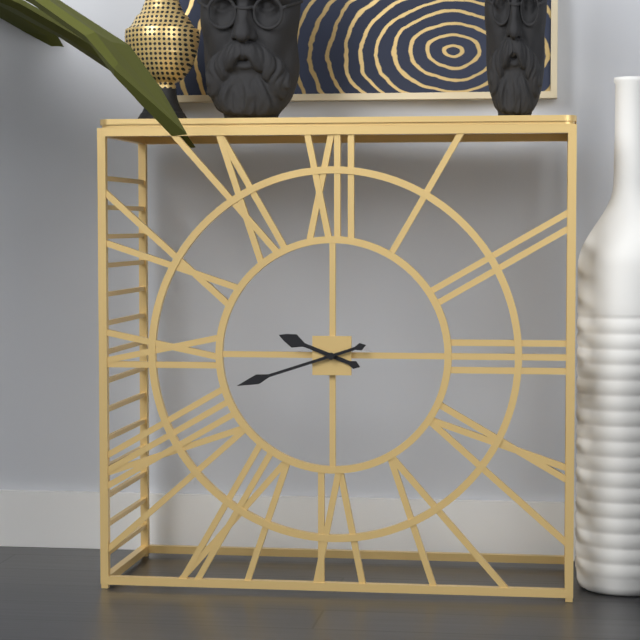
9:42
